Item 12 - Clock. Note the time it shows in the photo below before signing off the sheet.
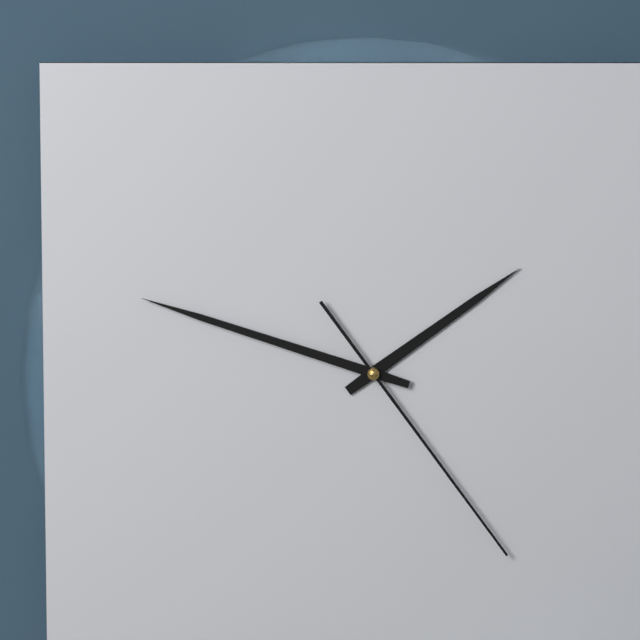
1:48:24
